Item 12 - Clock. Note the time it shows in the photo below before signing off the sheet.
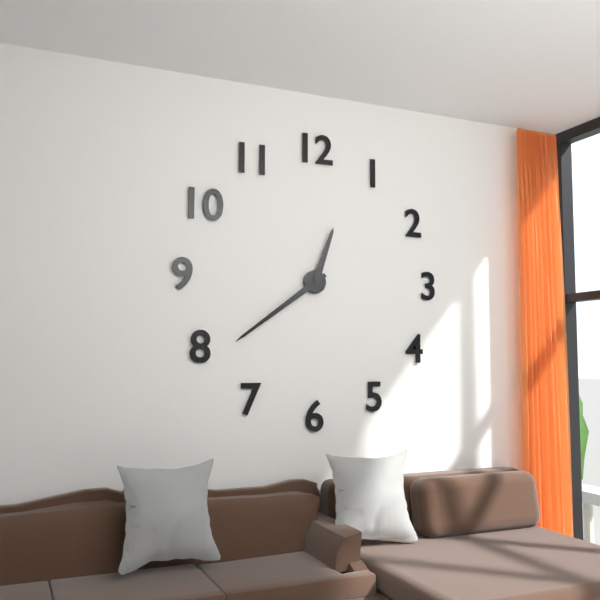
12:39
